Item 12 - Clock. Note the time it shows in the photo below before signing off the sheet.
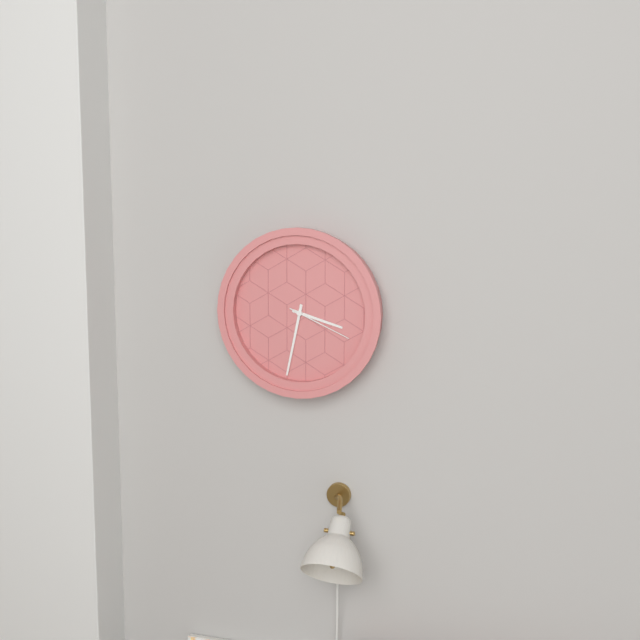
3:32:19
